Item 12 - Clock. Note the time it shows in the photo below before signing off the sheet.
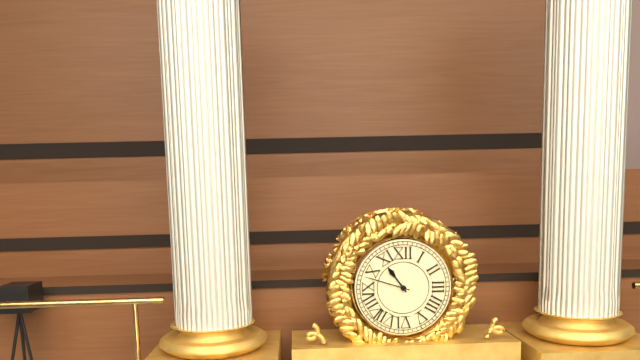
10:48
